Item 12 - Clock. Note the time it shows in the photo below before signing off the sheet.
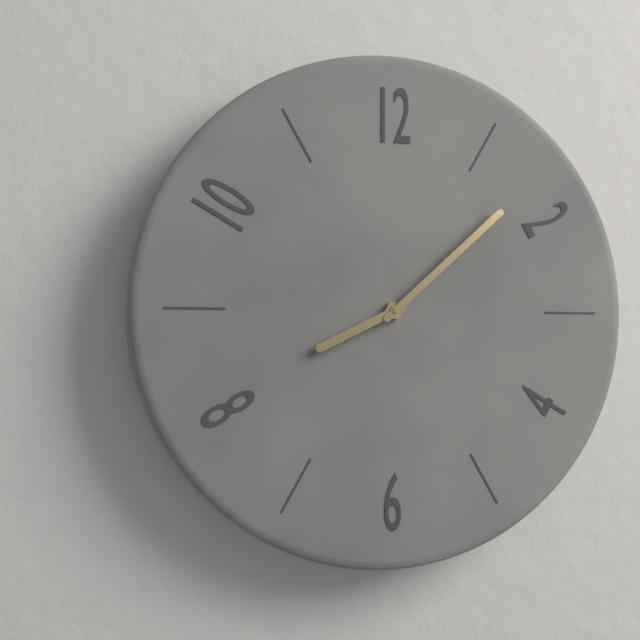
8:08
